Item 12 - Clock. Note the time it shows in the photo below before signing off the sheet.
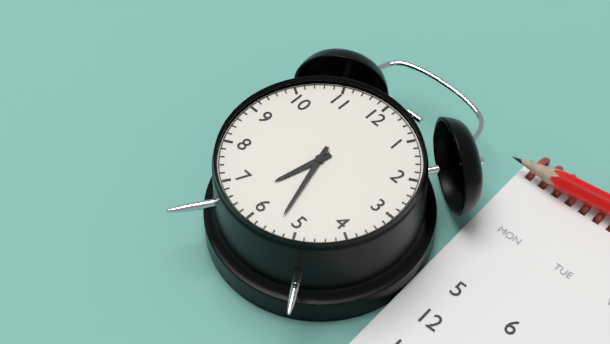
6:27
